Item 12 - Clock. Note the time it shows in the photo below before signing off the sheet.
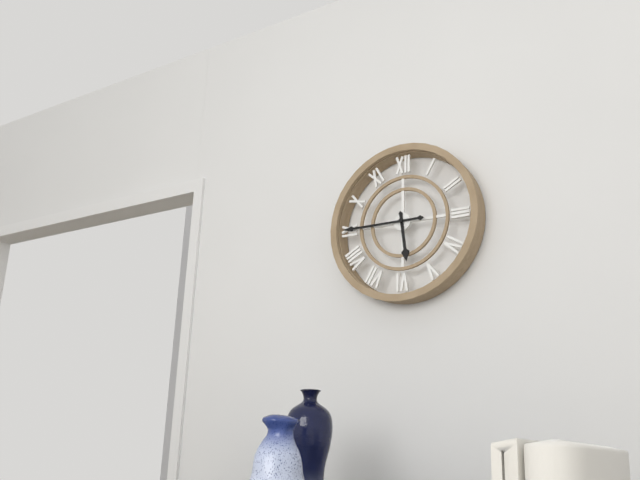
5:45
